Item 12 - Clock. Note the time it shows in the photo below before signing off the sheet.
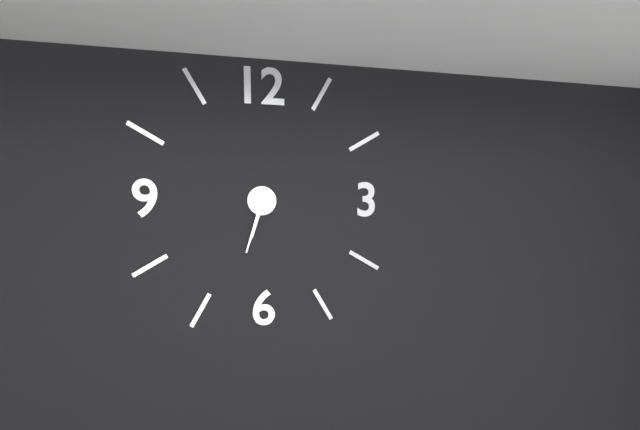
6:33
